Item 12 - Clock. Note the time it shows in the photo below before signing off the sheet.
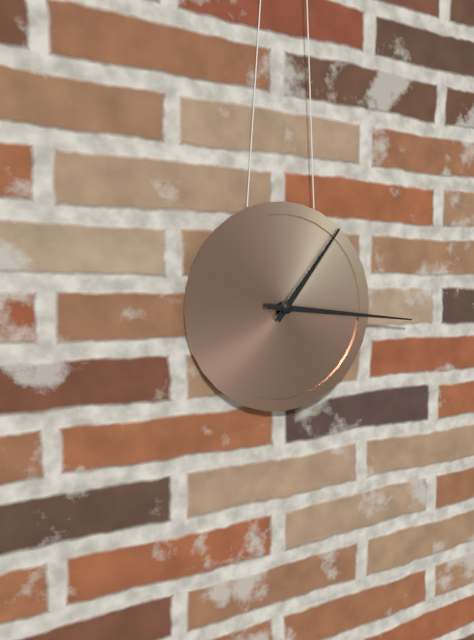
1:16
